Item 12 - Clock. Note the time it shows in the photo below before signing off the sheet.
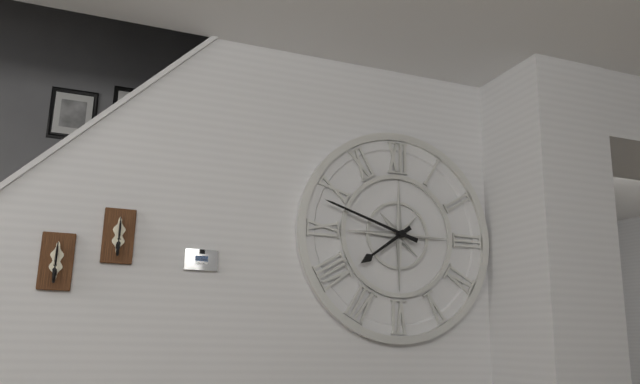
7:48
